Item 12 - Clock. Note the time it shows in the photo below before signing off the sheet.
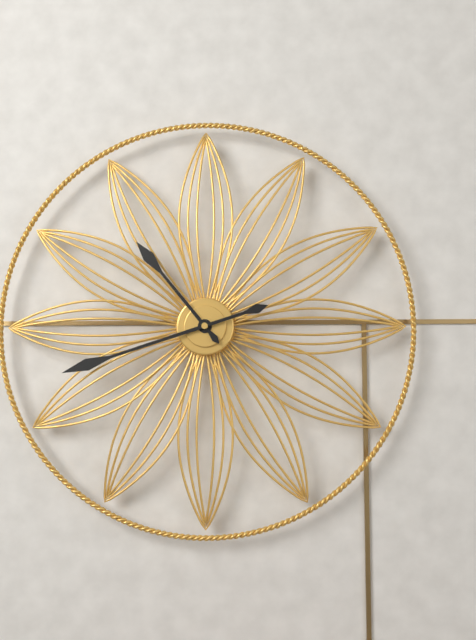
10:42
